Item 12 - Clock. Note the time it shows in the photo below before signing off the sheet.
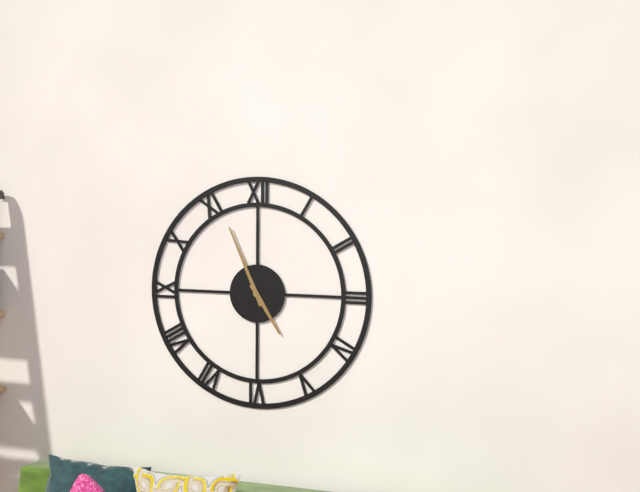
4:56
